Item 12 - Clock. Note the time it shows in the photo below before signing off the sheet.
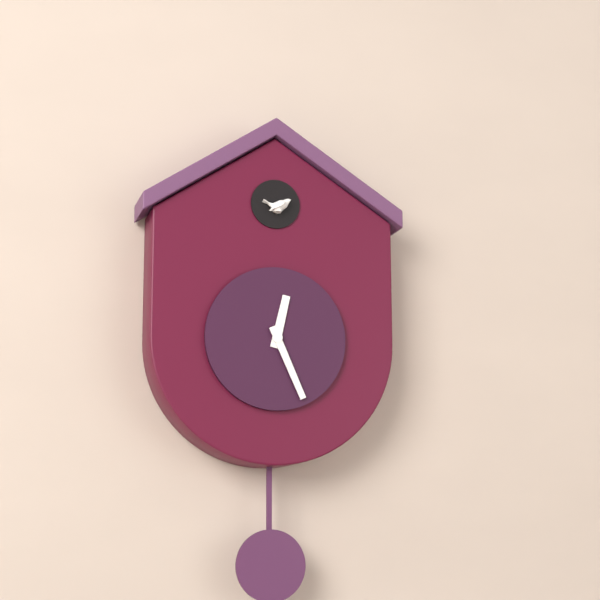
12:26
